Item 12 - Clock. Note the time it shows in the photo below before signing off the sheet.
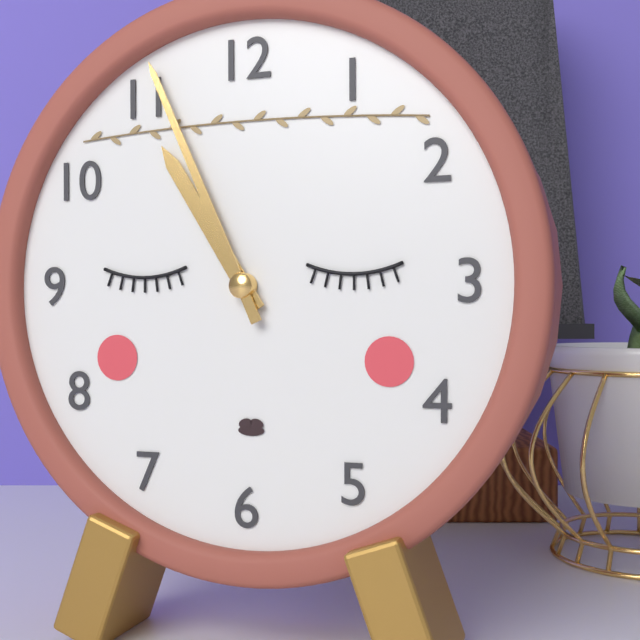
10:56
